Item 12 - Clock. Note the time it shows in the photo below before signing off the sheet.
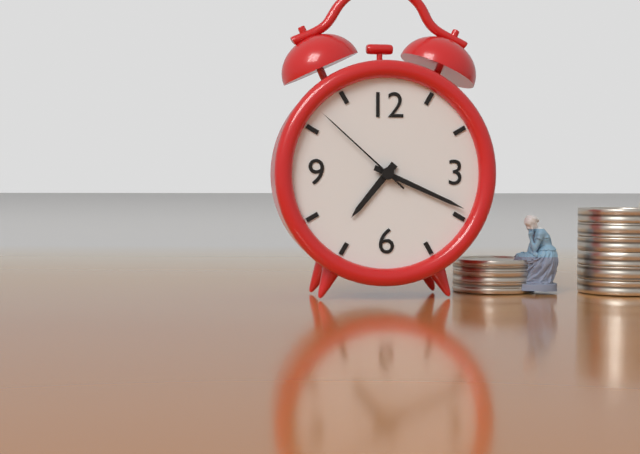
7:19:52
